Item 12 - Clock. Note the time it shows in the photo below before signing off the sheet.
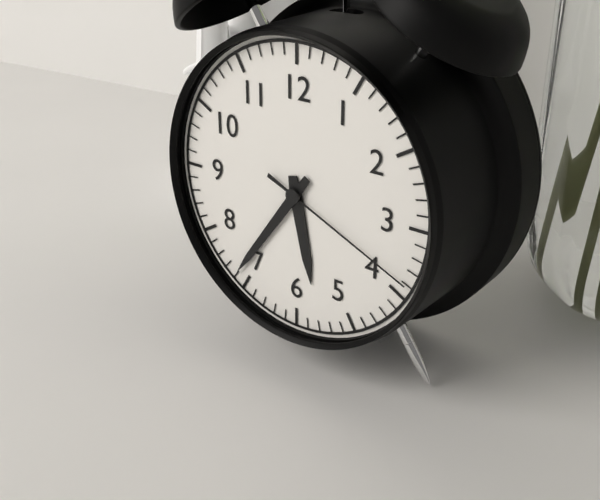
5:36:19
